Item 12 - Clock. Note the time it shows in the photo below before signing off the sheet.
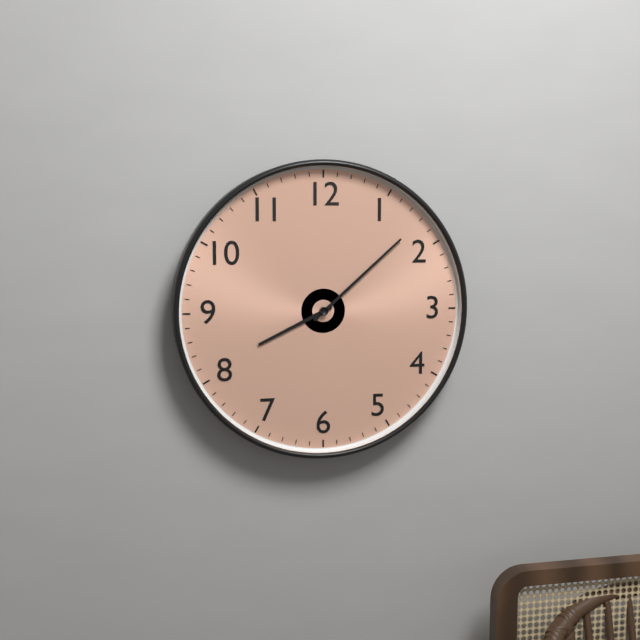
8:08
